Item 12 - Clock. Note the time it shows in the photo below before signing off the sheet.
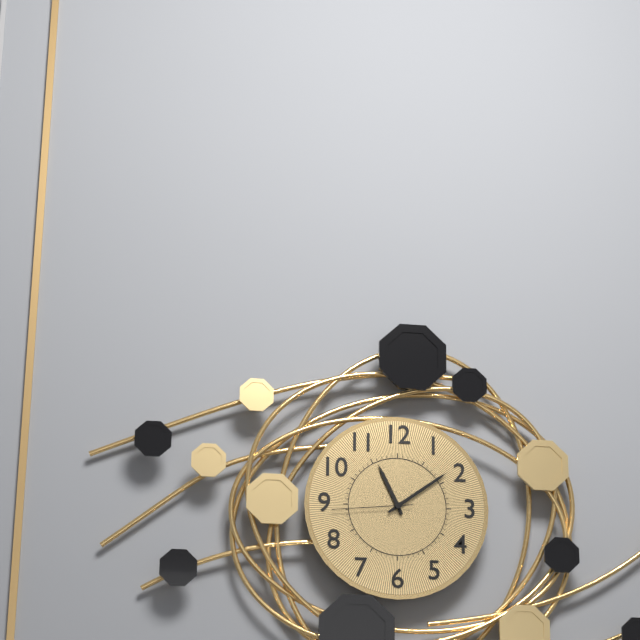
11:09:44
